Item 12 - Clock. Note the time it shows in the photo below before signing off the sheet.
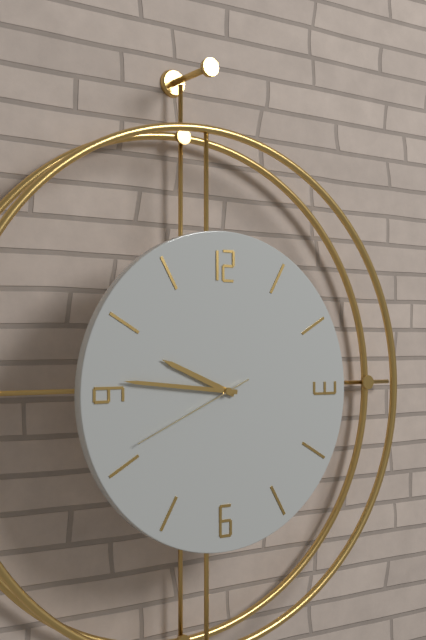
9:46:41
